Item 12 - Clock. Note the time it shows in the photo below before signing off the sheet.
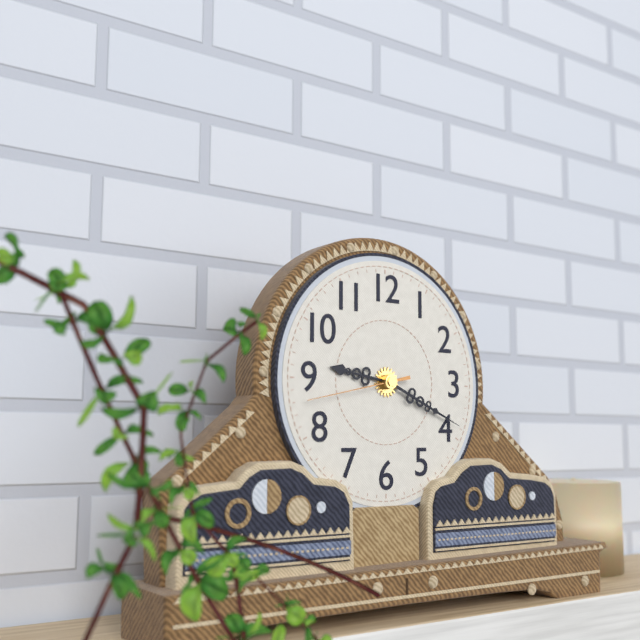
9:19:43
